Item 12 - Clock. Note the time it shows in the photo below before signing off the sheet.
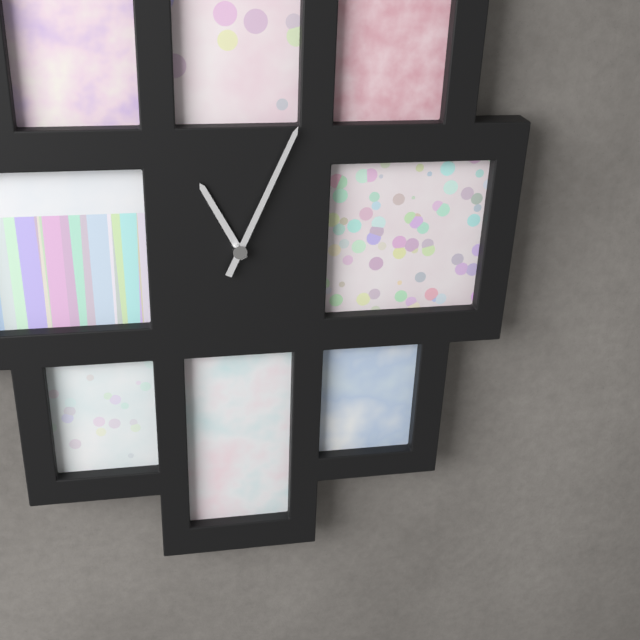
11:04
